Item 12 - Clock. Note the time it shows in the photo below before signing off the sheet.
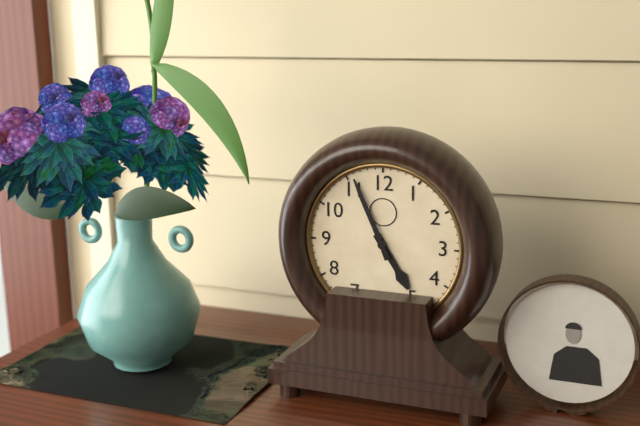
4:56
